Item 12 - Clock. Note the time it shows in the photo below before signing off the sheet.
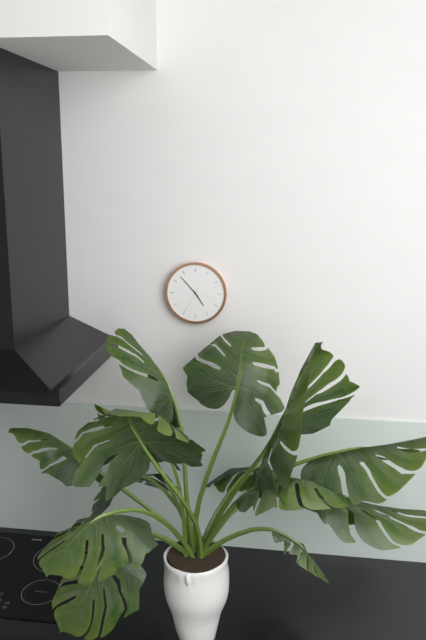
4:53
